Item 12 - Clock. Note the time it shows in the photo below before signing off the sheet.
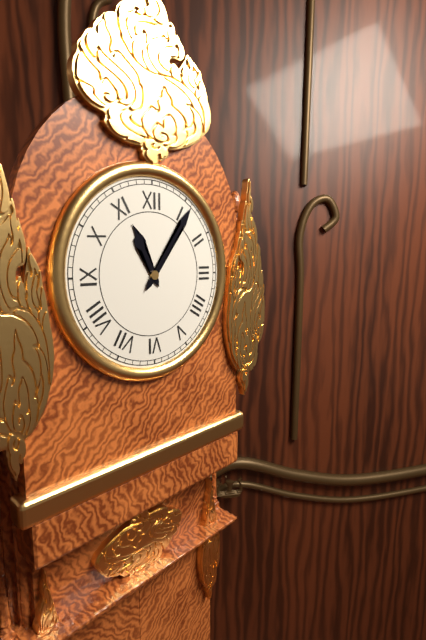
11:06
